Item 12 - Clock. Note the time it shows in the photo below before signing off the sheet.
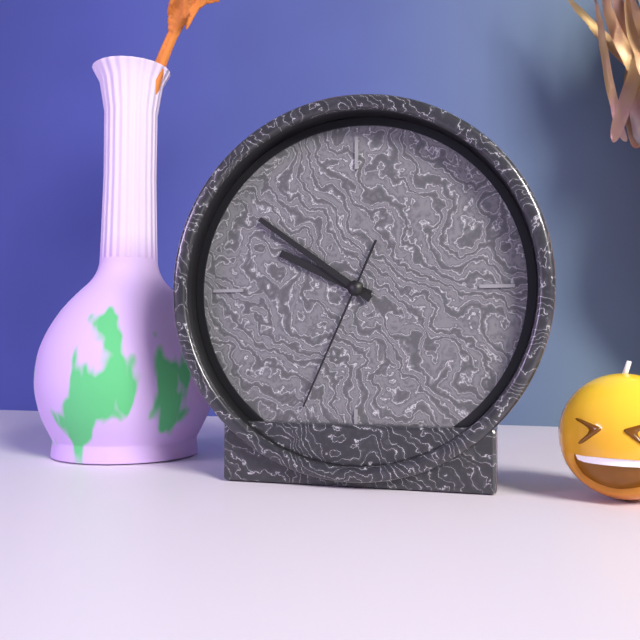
9:51:34
